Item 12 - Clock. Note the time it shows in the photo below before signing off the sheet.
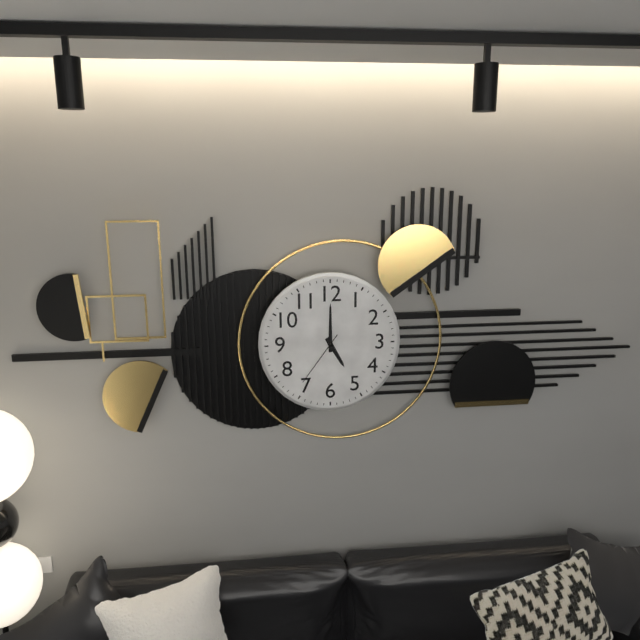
5:00:36
